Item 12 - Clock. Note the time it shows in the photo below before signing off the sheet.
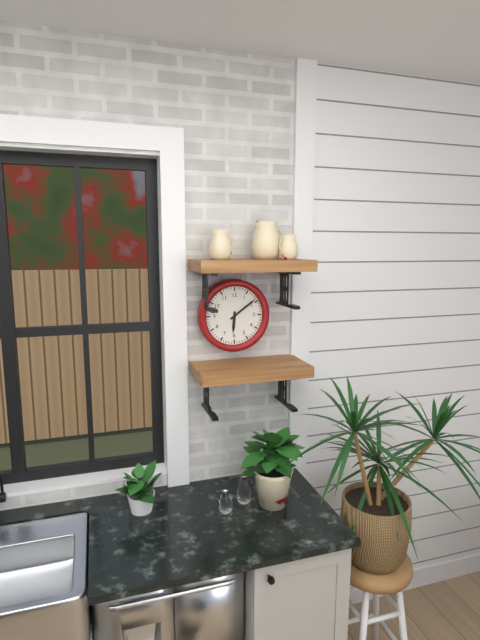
6:09
